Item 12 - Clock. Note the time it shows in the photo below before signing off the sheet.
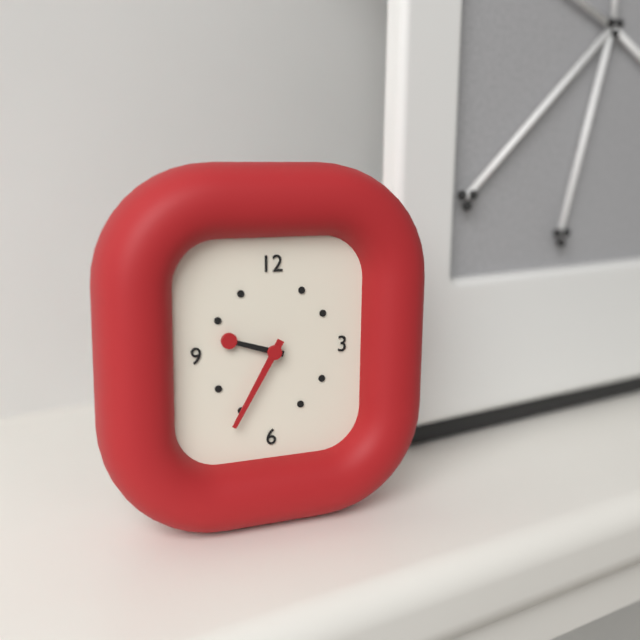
9:35
